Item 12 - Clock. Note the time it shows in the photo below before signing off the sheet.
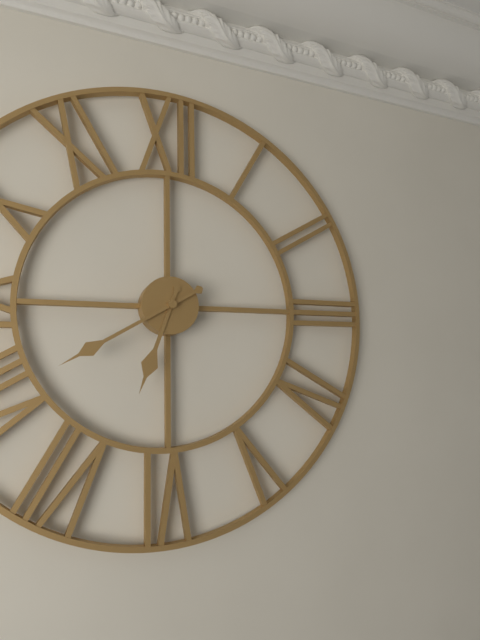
6:40
